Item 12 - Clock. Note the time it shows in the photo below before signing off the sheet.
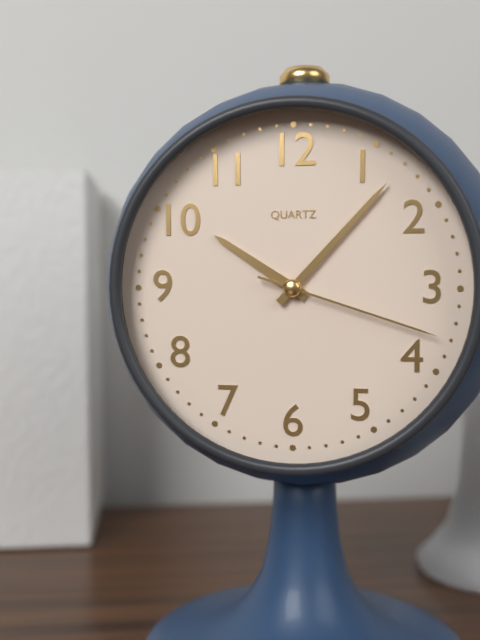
10:07:18
